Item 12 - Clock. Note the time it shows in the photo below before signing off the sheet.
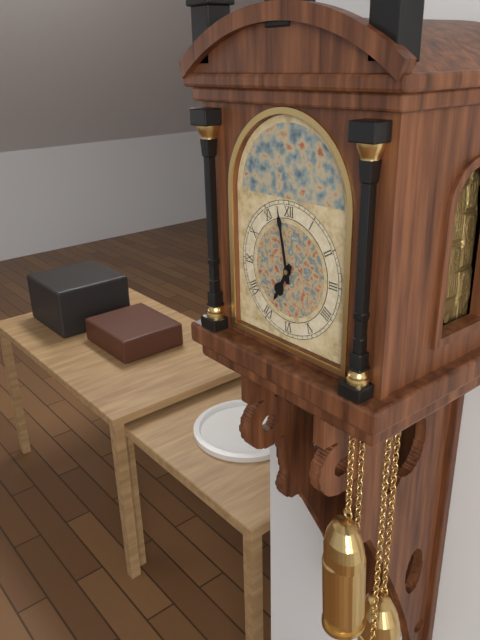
6:58
